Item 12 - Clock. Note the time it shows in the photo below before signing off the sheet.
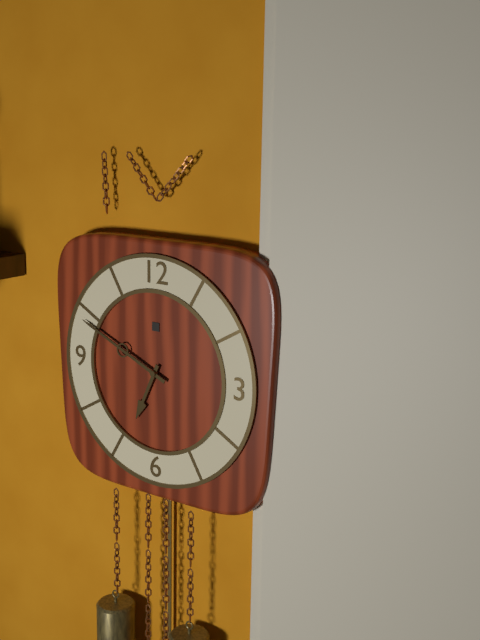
6:49
